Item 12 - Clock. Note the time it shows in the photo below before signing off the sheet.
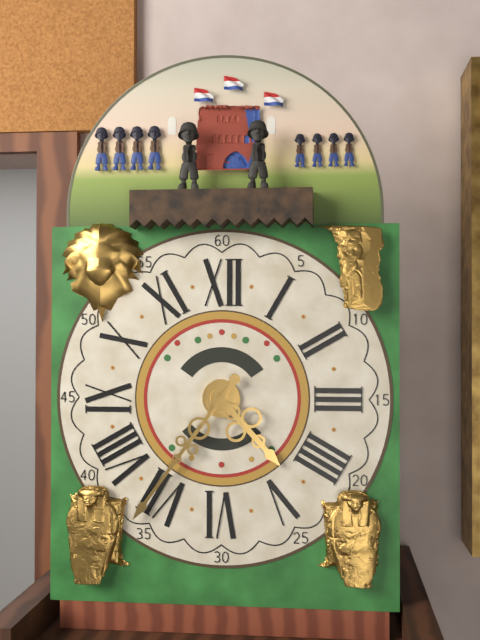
4:36
